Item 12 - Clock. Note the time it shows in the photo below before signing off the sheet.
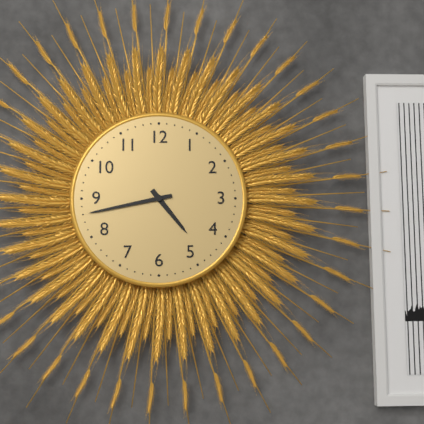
4:43
